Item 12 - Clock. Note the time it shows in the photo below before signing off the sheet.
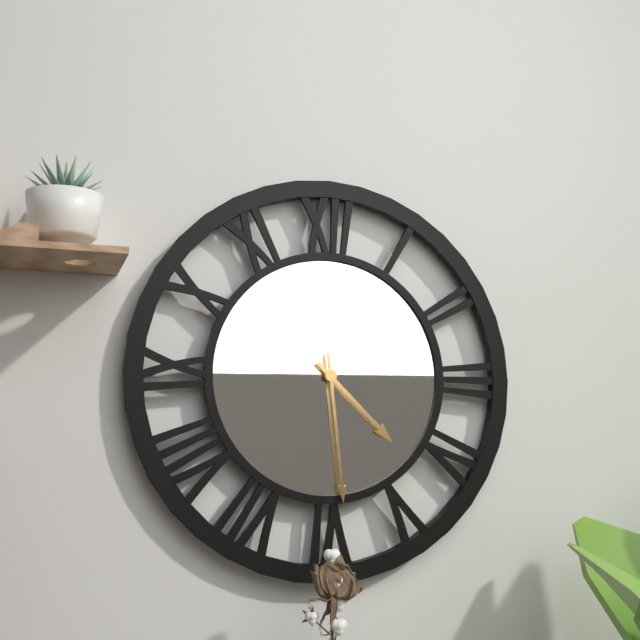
4:29
